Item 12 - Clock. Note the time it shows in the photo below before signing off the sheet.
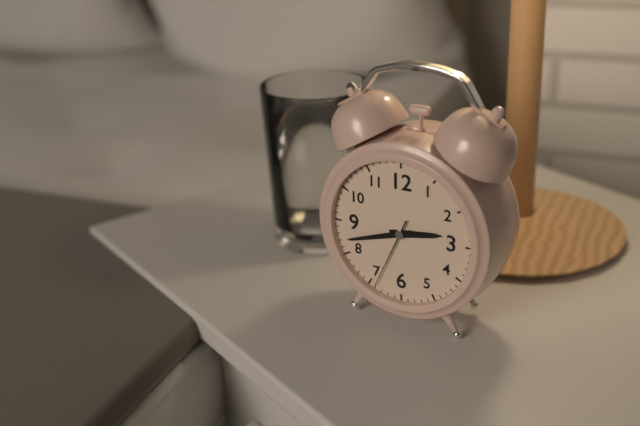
2:42:34
